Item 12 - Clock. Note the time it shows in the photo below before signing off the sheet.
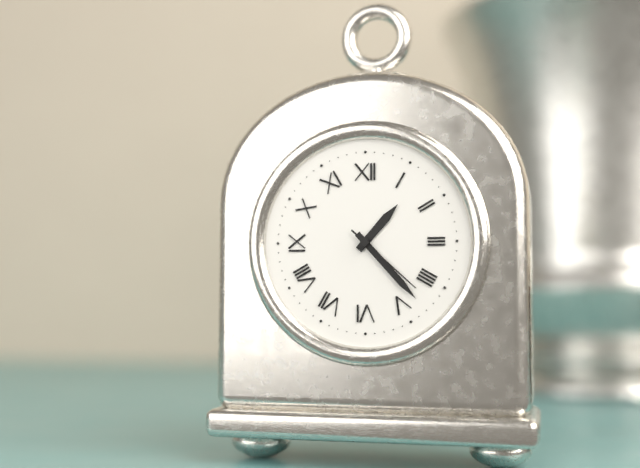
1:23:22
